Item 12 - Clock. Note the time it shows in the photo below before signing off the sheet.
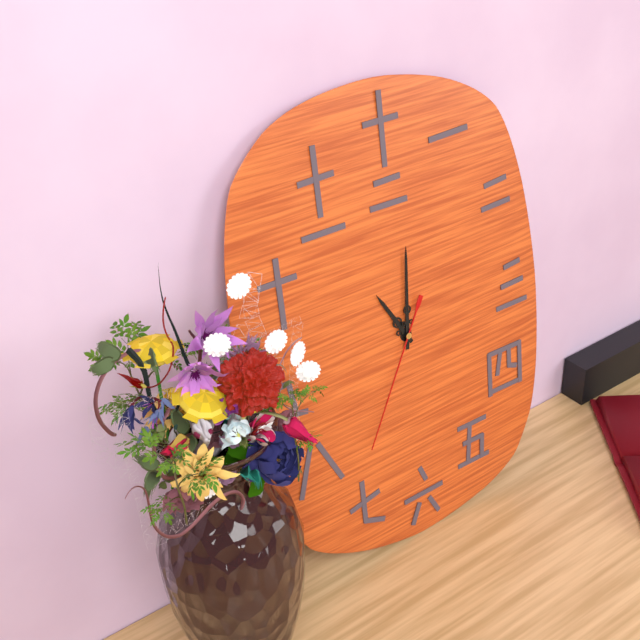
11:01:35
